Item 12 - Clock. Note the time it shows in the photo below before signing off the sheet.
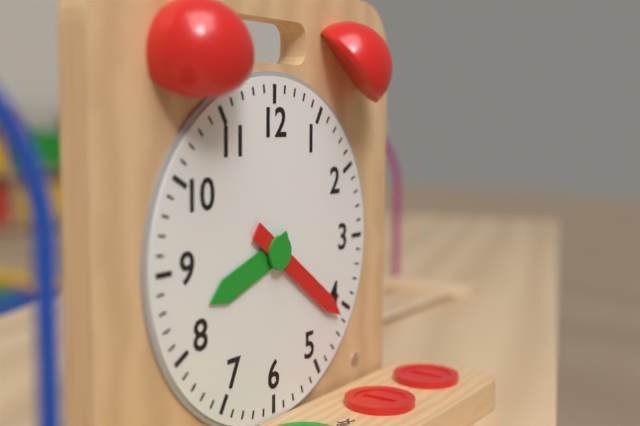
8:21
